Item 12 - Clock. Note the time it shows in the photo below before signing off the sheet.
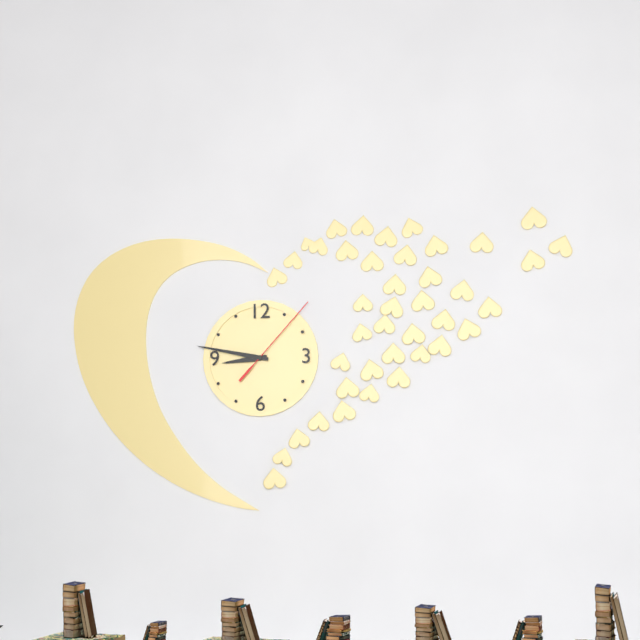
8:47:07
